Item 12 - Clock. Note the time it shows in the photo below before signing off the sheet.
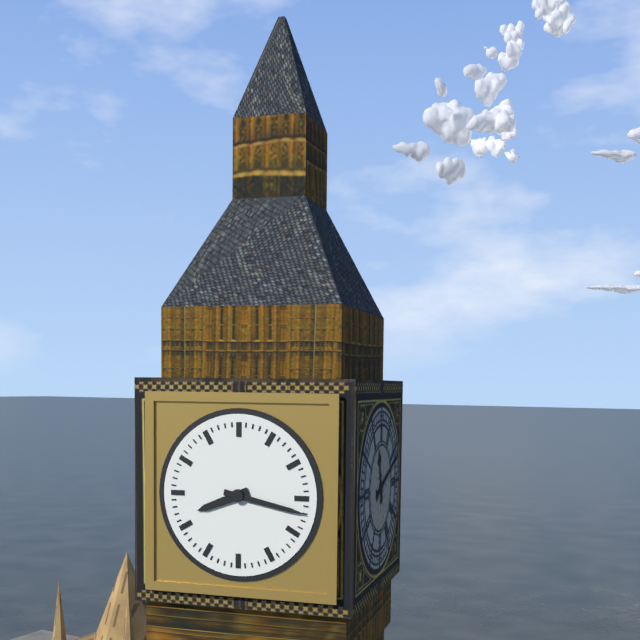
8:17
